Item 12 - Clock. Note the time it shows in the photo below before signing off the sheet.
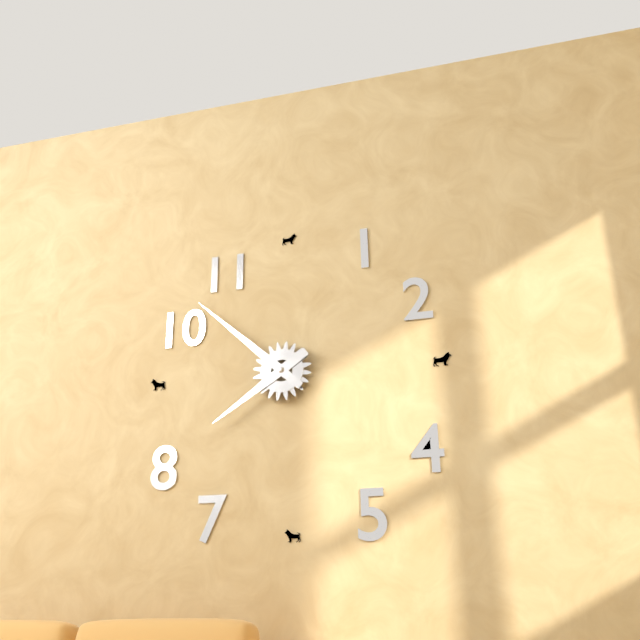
7:52
